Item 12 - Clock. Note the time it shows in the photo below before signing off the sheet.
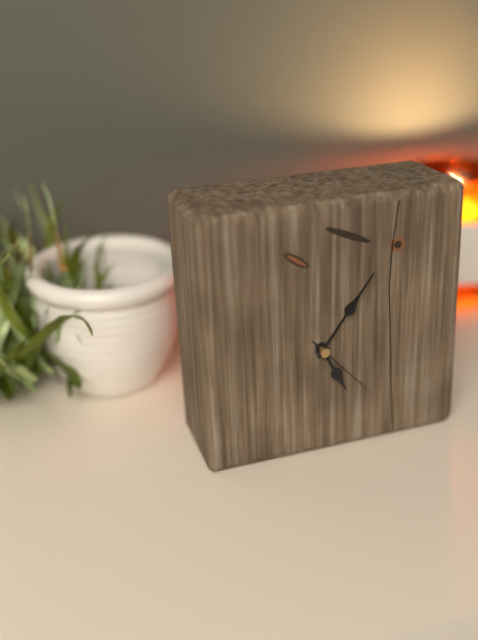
5:06:23
